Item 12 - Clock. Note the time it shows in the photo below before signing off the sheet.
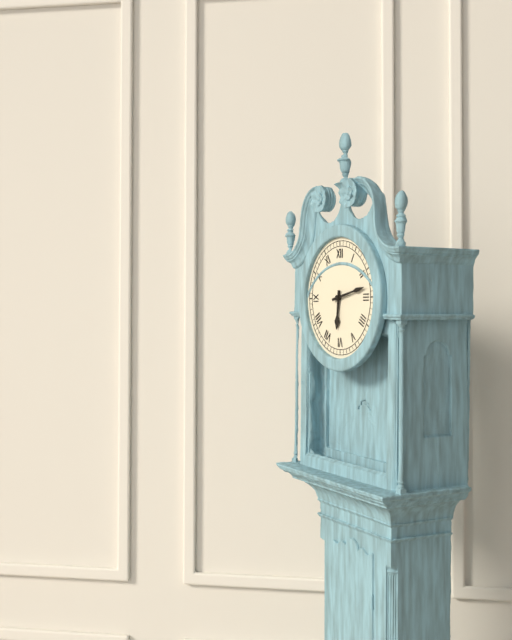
6:13
